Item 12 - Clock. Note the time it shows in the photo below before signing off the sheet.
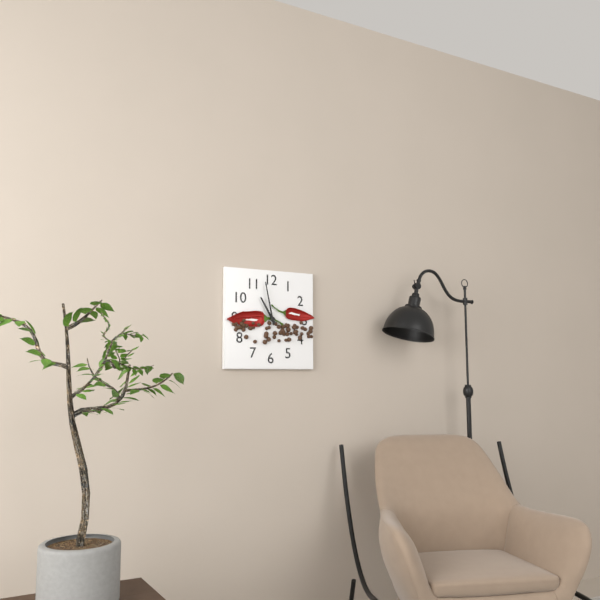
10:58
